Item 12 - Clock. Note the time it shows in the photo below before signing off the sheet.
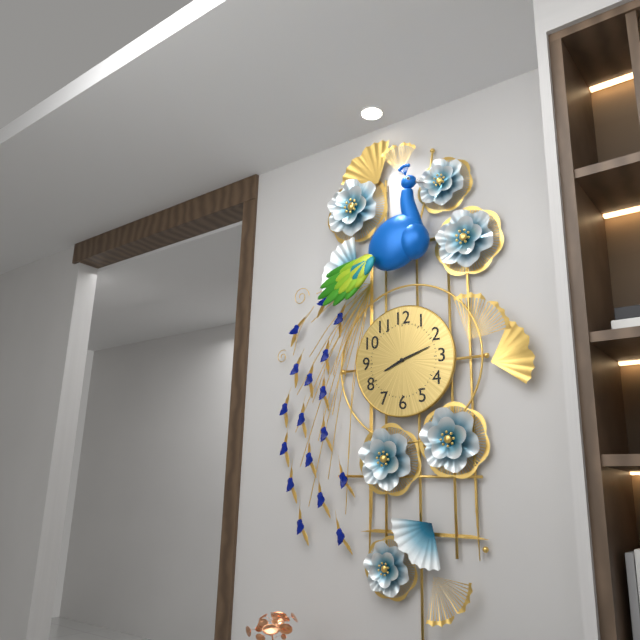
8:12
